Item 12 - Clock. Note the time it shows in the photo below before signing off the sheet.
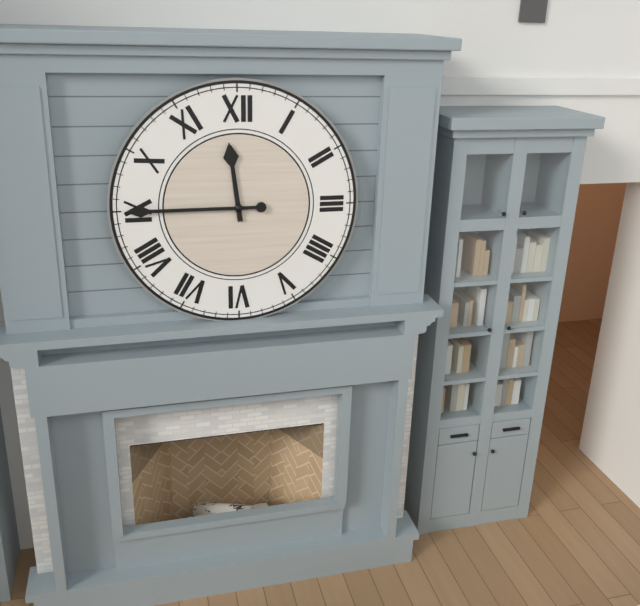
11:45
